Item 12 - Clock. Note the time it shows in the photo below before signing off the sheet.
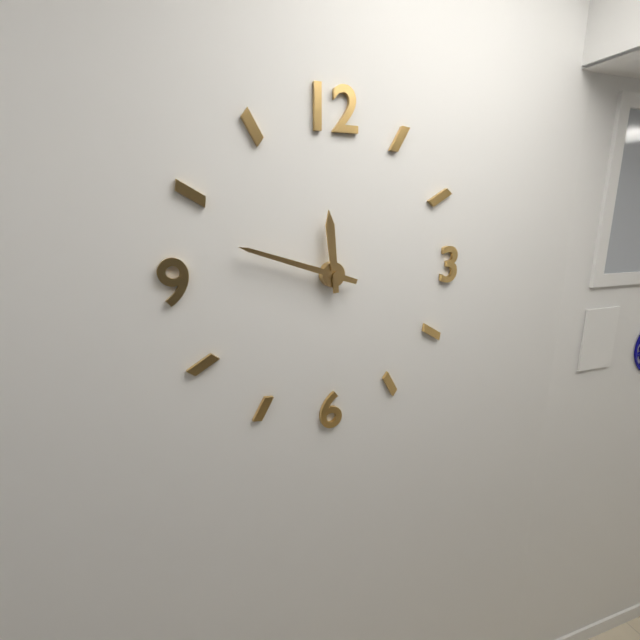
11:48
